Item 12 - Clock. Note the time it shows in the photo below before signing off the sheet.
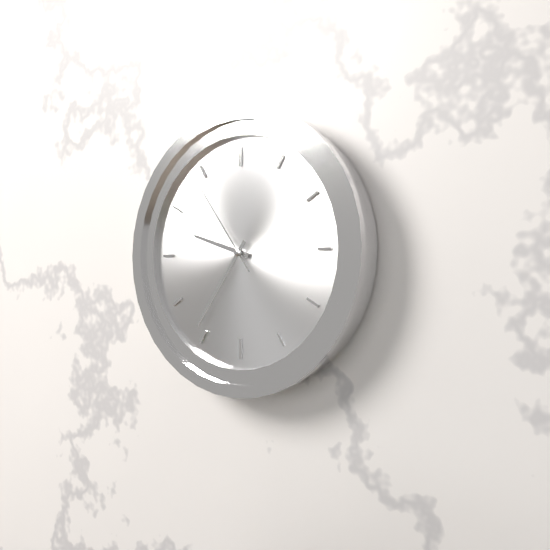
9:36:54
